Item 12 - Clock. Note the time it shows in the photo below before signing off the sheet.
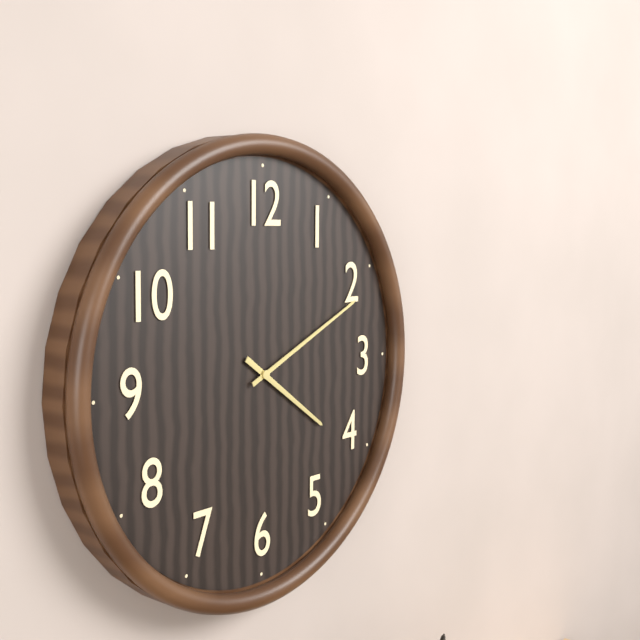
4:11
